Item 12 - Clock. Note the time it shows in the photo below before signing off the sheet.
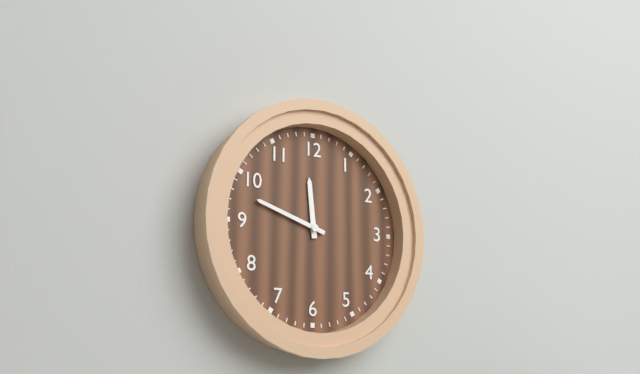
11:48
